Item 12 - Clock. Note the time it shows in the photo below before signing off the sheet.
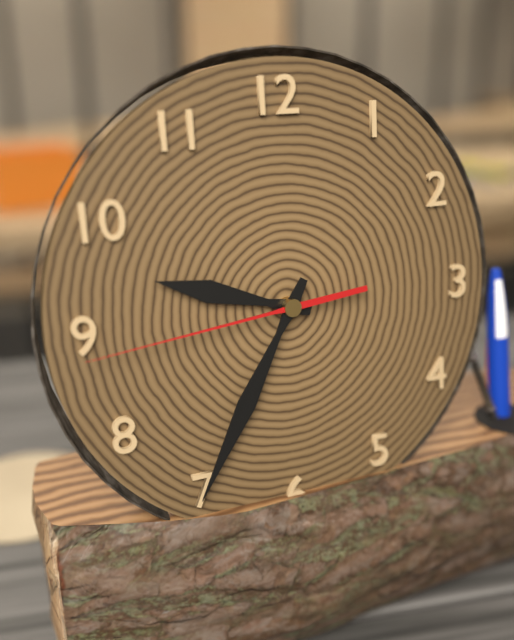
9:35:44
